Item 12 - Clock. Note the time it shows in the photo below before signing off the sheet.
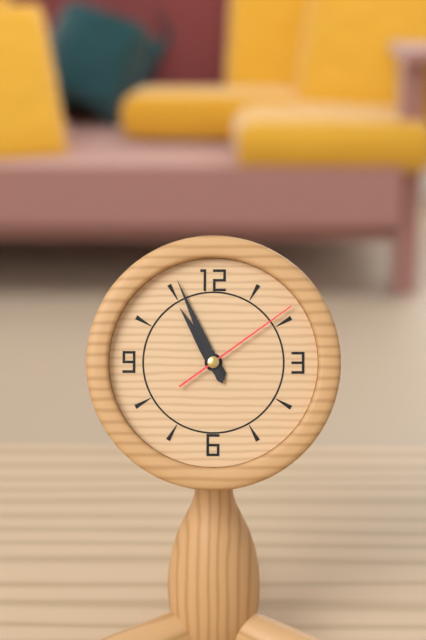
10:56:09
